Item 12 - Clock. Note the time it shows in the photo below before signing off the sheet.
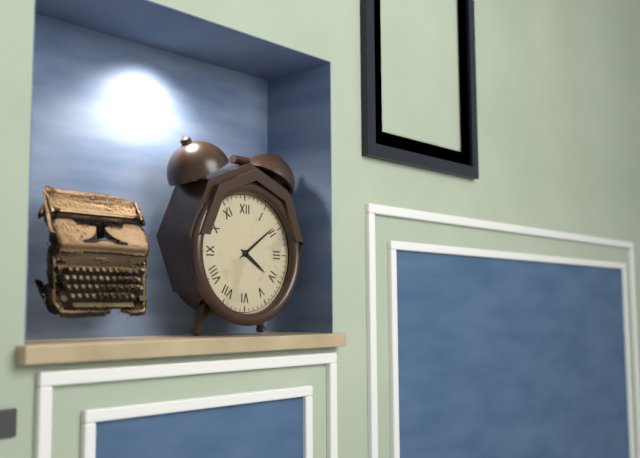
4:09
